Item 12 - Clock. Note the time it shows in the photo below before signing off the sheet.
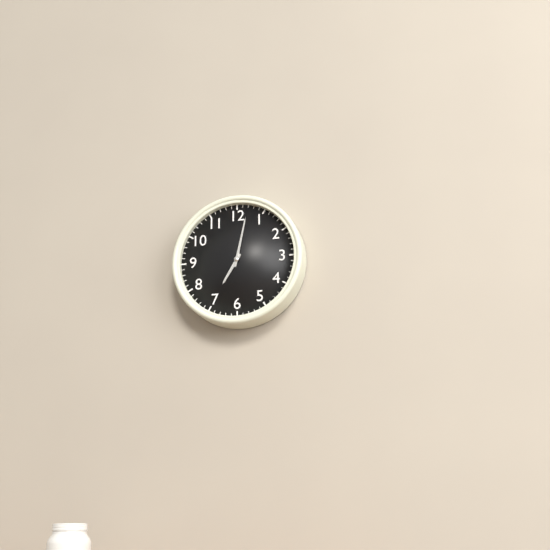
7:02
